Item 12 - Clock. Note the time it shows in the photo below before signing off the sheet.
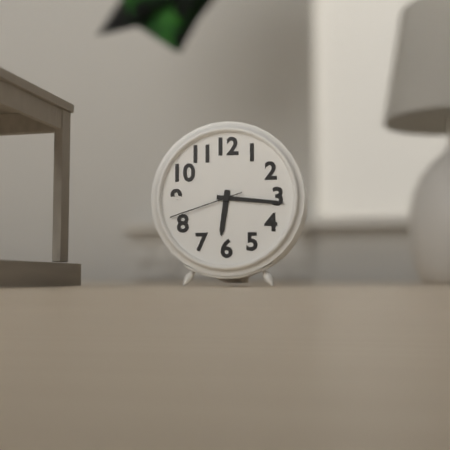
6:16:42
